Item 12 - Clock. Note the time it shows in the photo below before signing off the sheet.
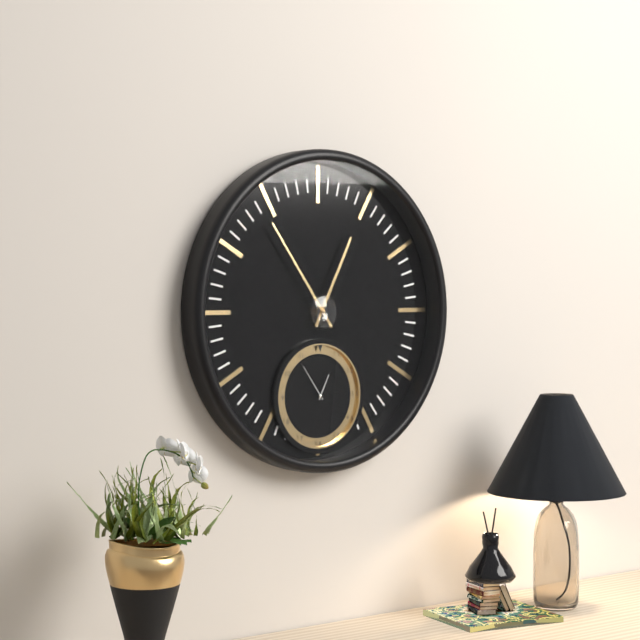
12:54
